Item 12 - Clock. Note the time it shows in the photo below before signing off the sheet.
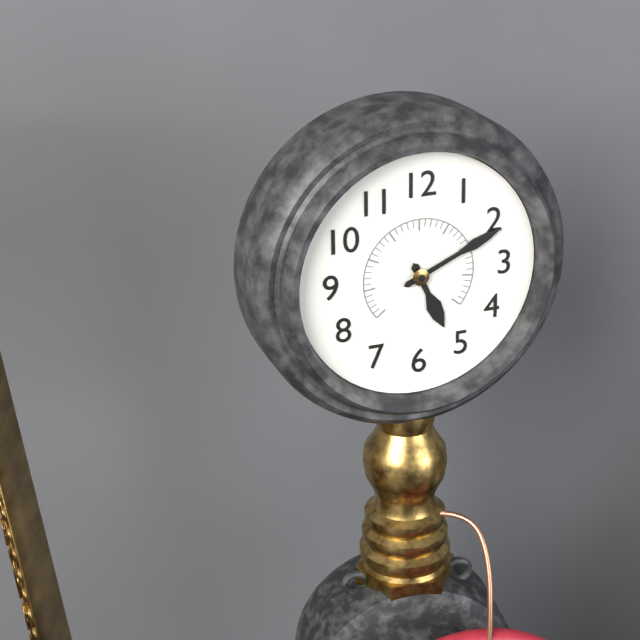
5:11
